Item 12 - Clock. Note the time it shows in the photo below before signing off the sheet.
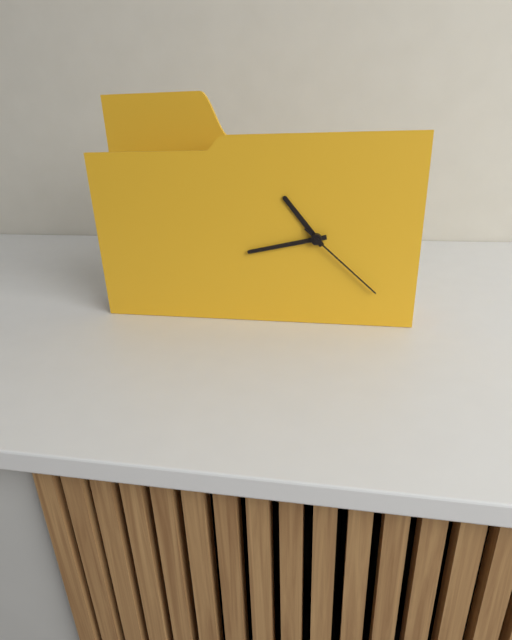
10:43:22
